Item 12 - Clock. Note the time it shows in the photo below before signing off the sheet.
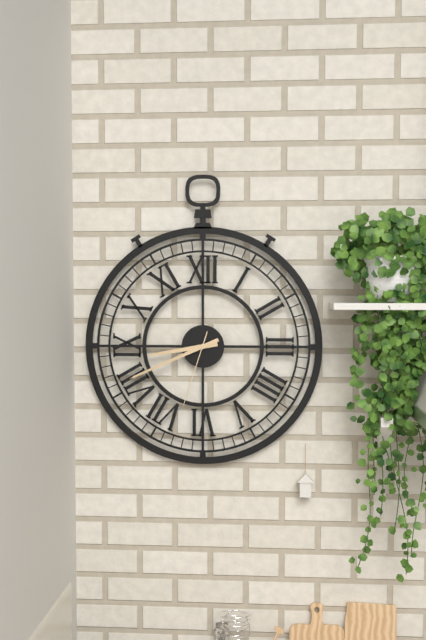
8:41:33
